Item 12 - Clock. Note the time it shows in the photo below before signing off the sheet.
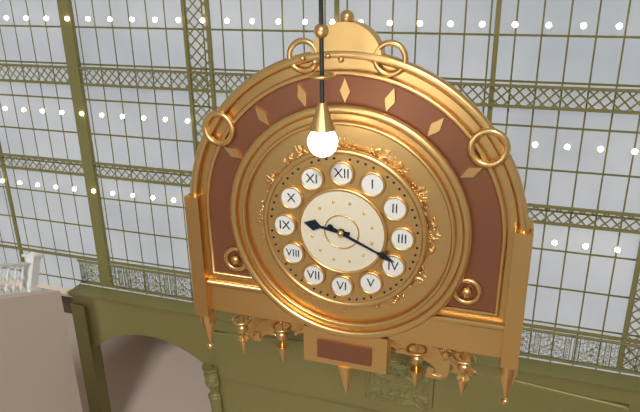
9:19
